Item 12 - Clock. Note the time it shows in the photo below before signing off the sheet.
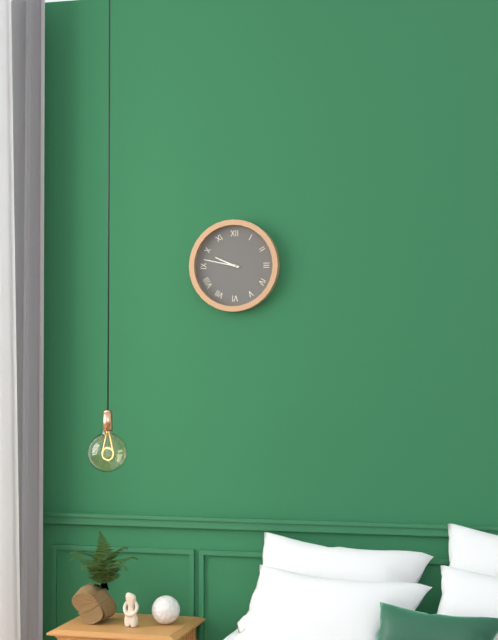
9:47
